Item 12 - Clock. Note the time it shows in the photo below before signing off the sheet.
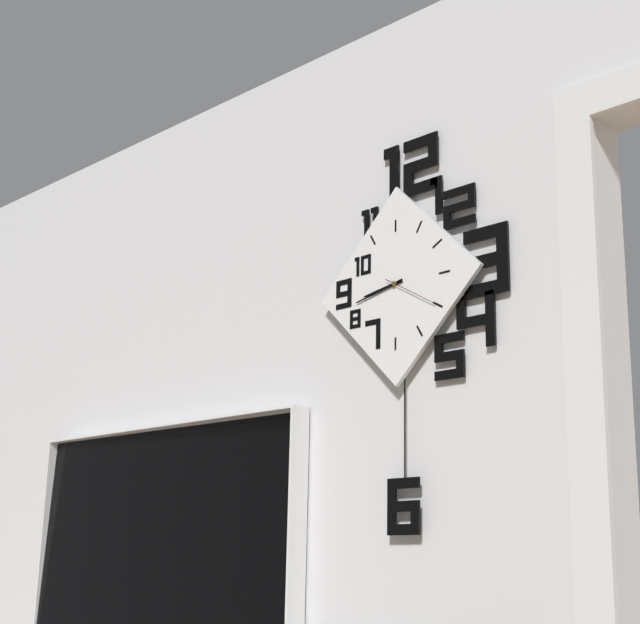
8:43:20
